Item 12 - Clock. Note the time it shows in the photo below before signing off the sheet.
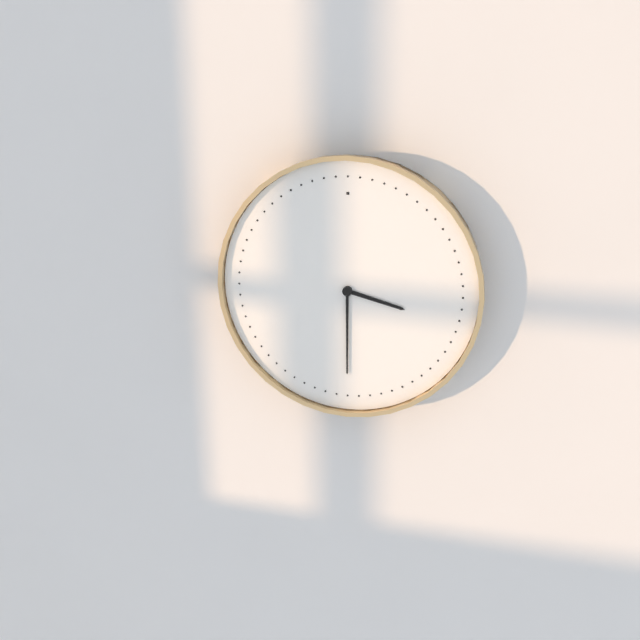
3:30
